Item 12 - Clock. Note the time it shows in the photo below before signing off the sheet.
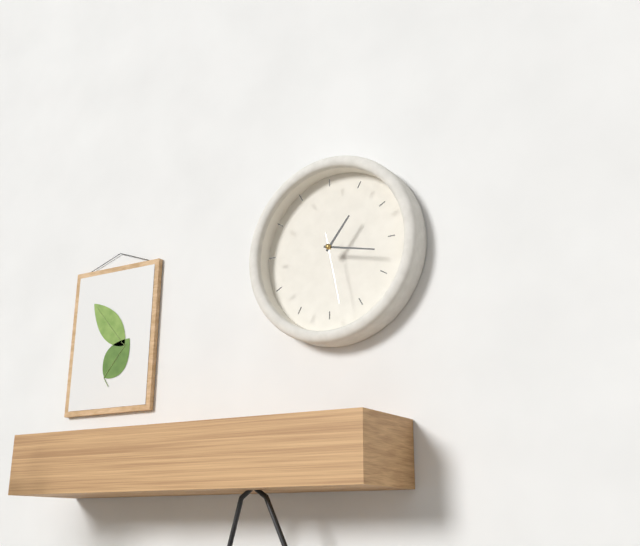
1:17:28
